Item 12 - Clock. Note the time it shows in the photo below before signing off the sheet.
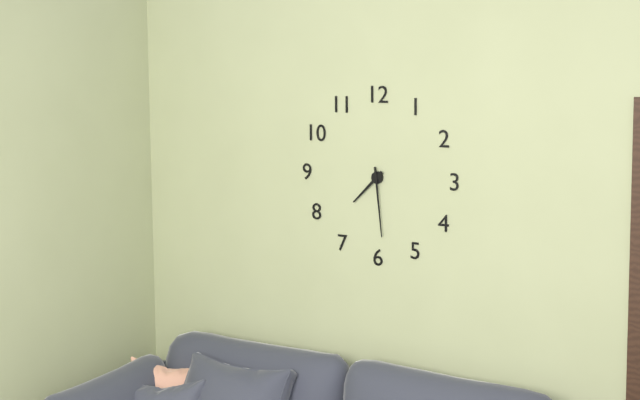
7:29
